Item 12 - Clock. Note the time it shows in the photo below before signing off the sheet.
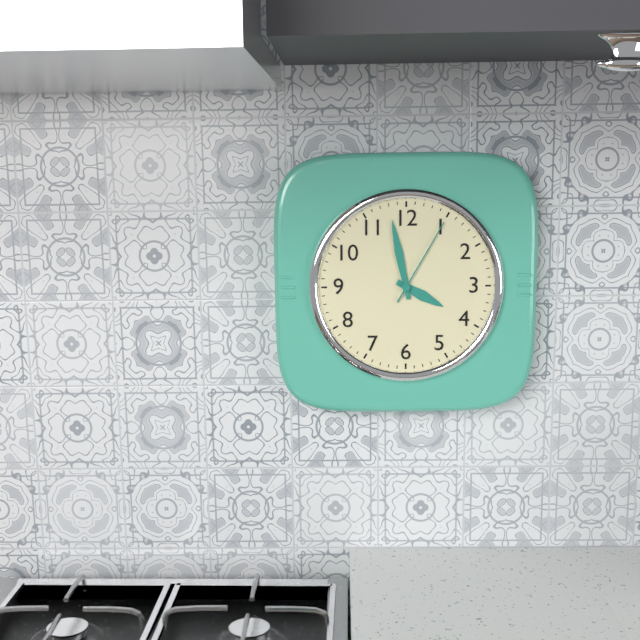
3:58:05
